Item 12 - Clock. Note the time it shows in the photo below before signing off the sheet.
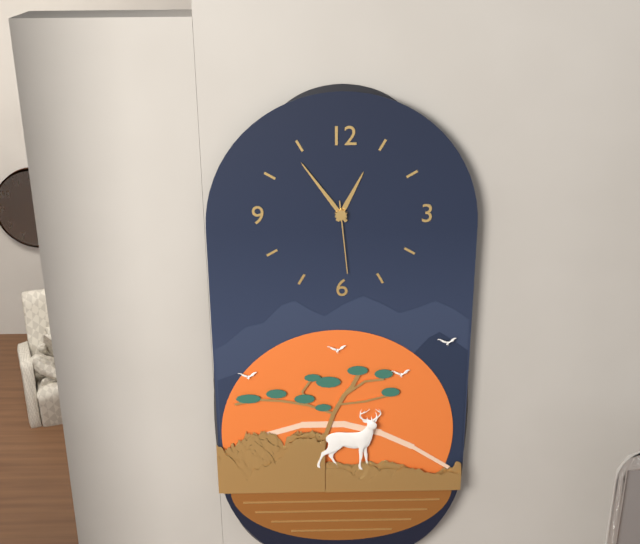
12:54:29
